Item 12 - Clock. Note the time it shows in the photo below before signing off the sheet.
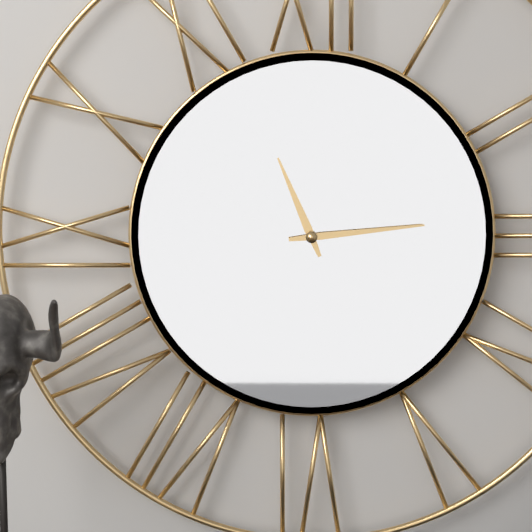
11:14
